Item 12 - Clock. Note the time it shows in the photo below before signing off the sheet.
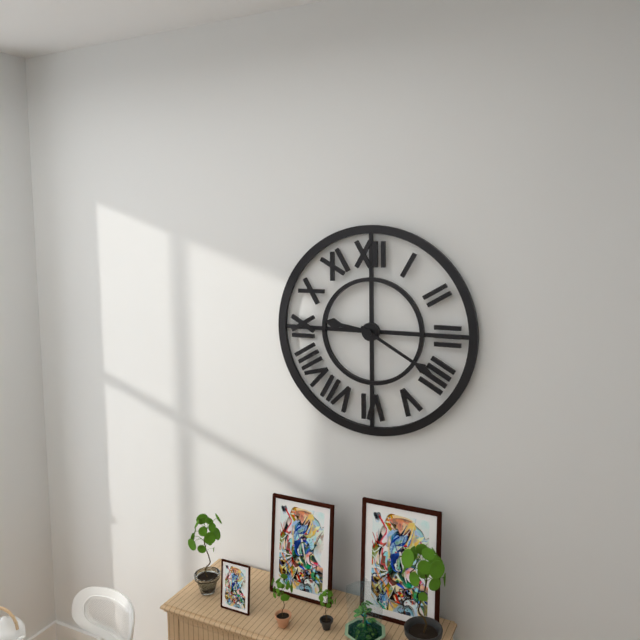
9:20
